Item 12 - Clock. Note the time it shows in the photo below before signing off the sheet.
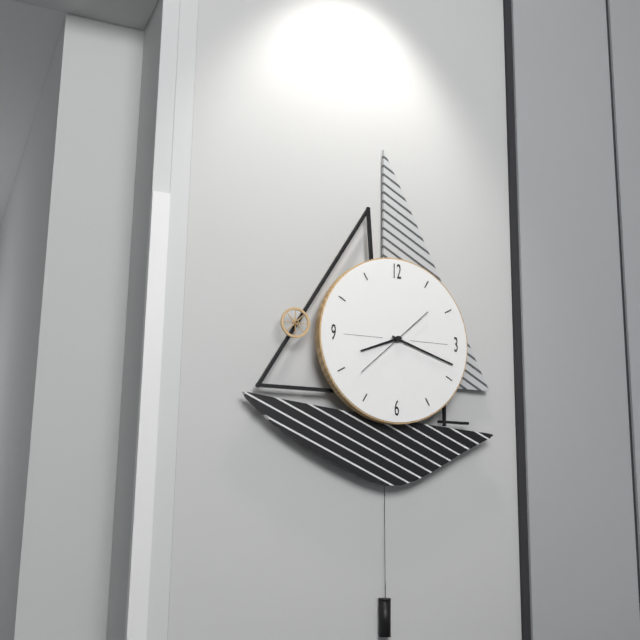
8:18:38
